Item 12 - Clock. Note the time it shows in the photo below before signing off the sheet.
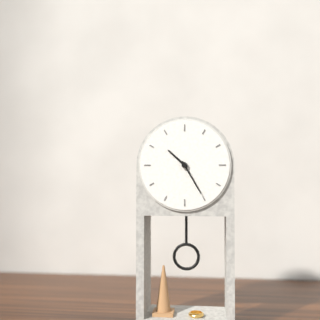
10:25
